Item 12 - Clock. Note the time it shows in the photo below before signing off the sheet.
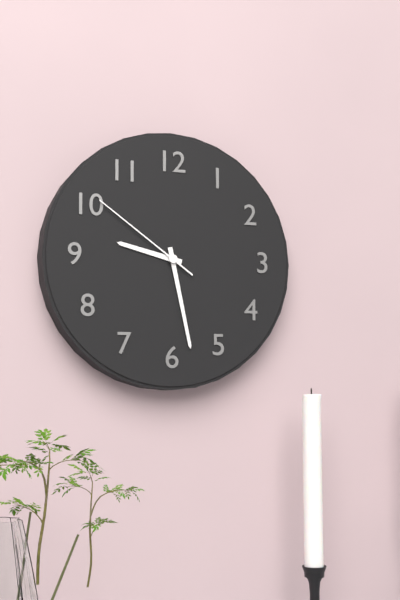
9:28:51
